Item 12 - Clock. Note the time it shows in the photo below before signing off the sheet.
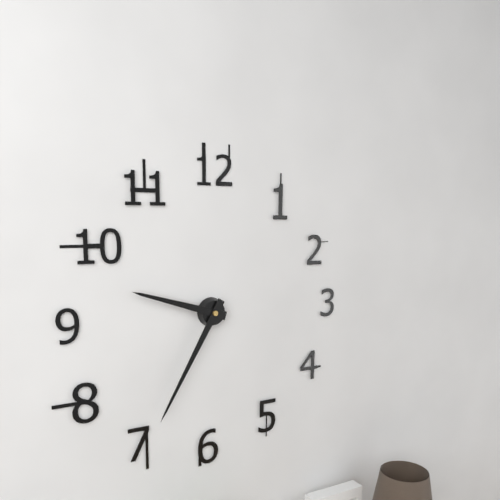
9:35
